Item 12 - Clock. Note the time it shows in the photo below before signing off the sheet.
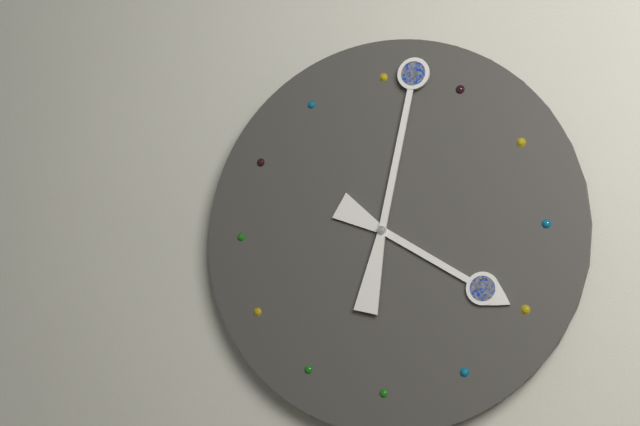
4:02
